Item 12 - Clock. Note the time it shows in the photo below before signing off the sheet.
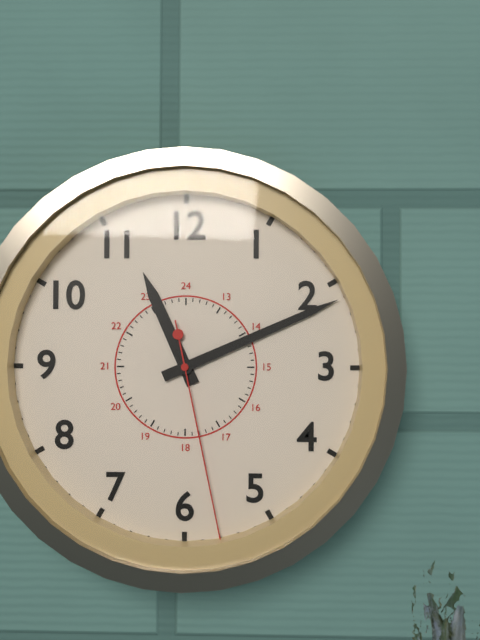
11:11:28
